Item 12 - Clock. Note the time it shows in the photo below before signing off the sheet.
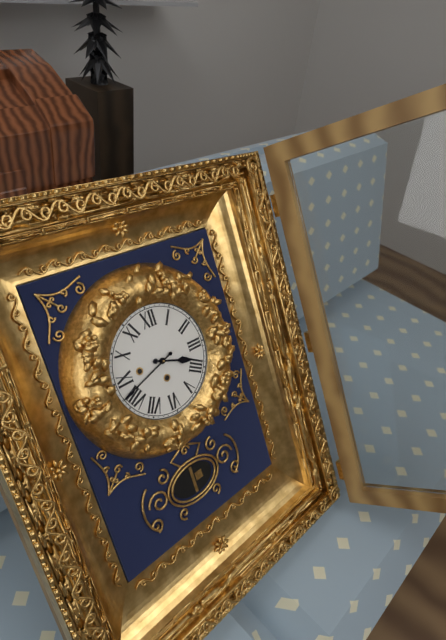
3:42
